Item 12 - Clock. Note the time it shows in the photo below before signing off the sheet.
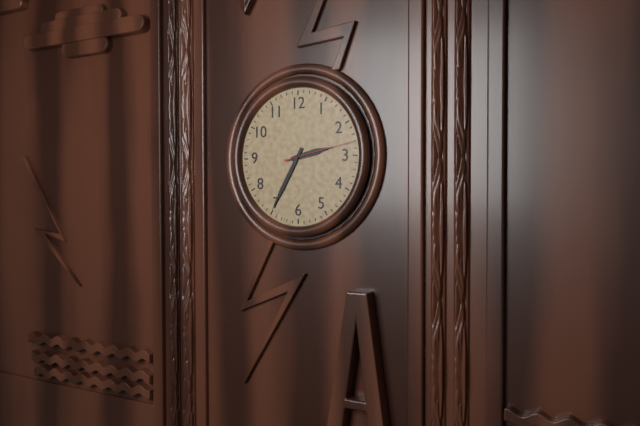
2:35:13
